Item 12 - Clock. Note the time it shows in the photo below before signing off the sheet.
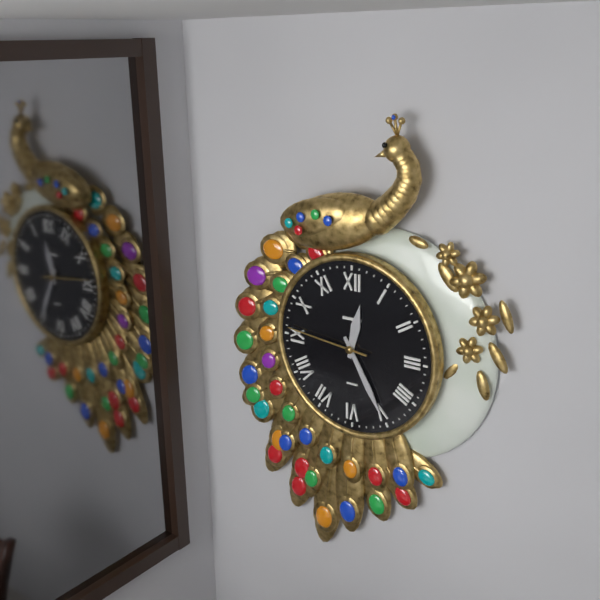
12:25:46
